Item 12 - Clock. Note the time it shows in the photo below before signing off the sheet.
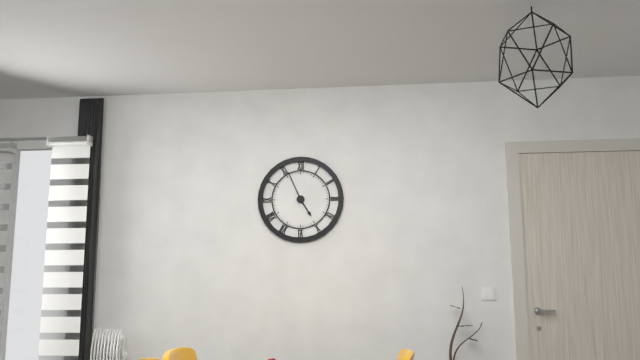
4:56
